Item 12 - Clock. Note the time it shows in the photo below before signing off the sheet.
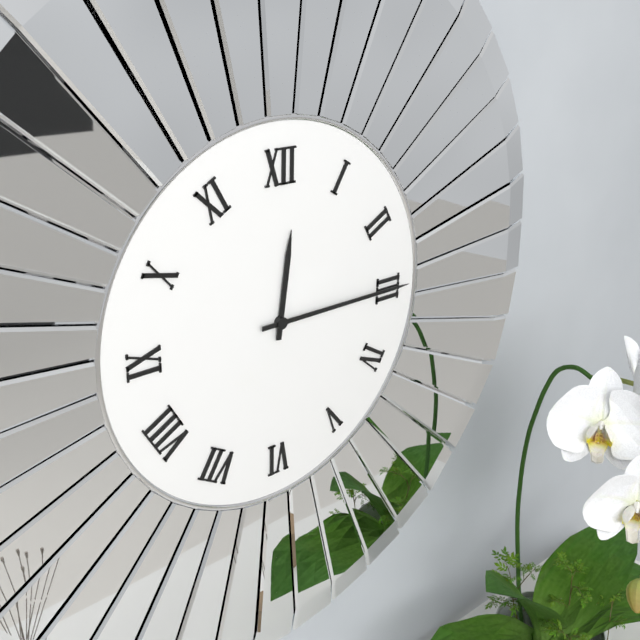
12:15
